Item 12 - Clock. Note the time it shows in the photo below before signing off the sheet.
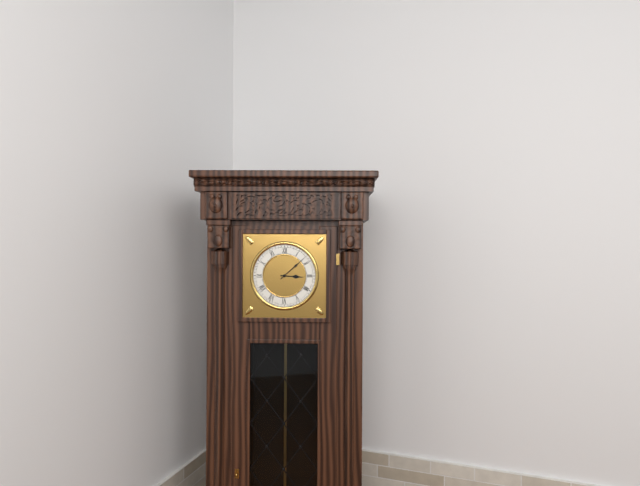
3:08
